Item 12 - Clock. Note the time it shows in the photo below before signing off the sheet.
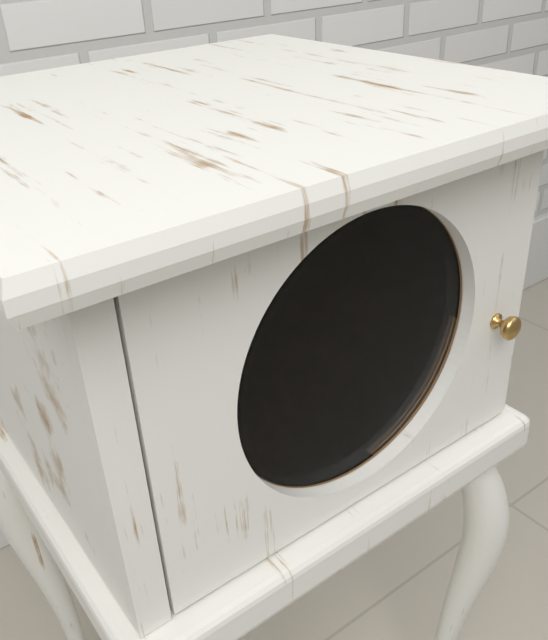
3:16:29
